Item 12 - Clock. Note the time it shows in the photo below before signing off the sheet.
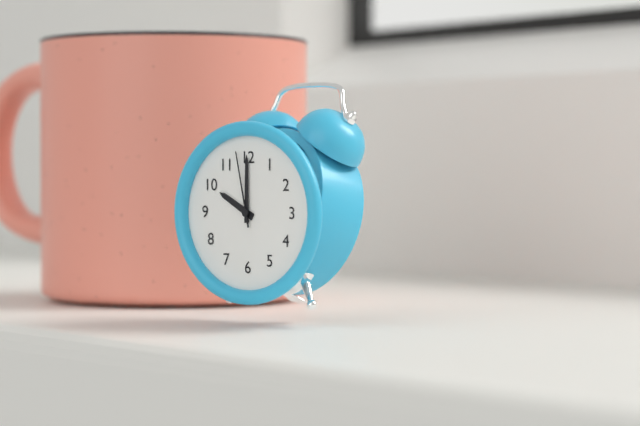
10:00:58
